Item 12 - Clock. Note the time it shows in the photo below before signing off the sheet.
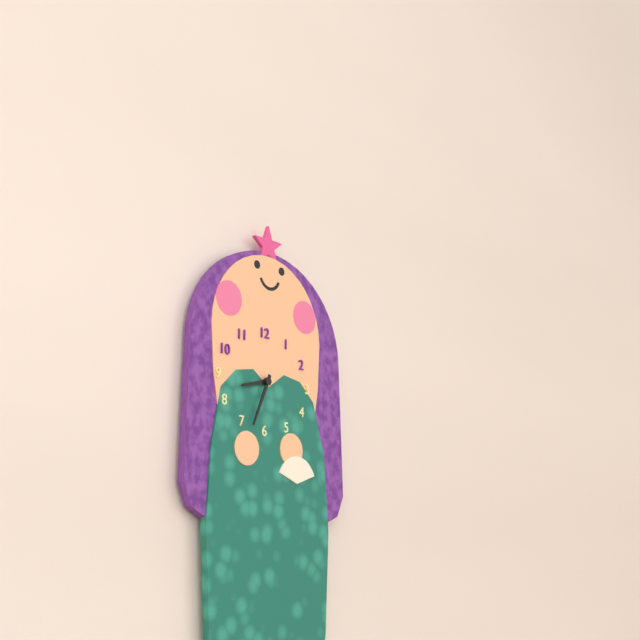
8:34
